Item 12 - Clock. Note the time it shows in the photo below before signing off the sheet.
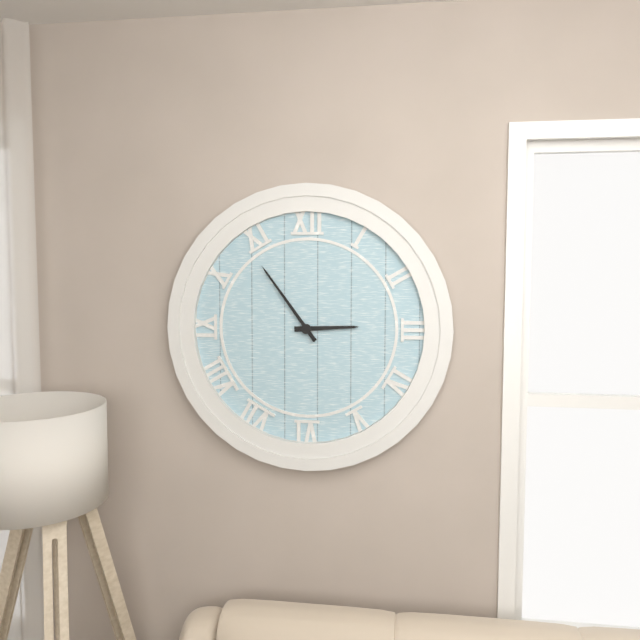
2:54
